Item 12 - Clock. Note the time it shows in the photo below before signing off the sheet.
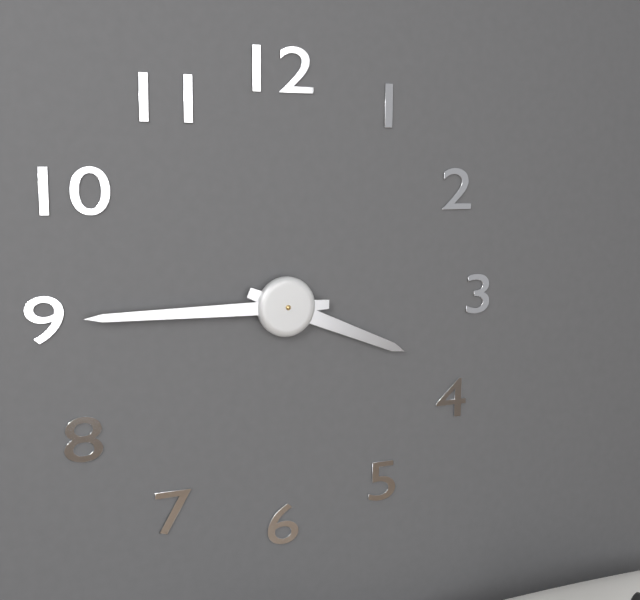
3:45
